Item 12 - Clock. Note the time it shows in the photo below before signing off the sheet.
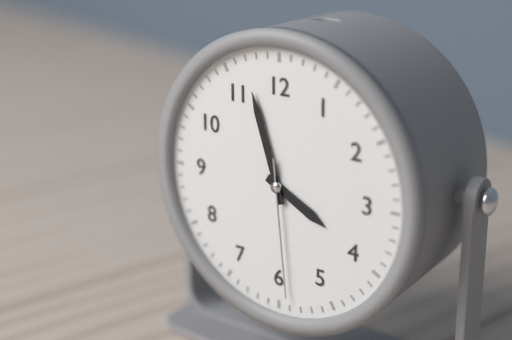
3:57:29
